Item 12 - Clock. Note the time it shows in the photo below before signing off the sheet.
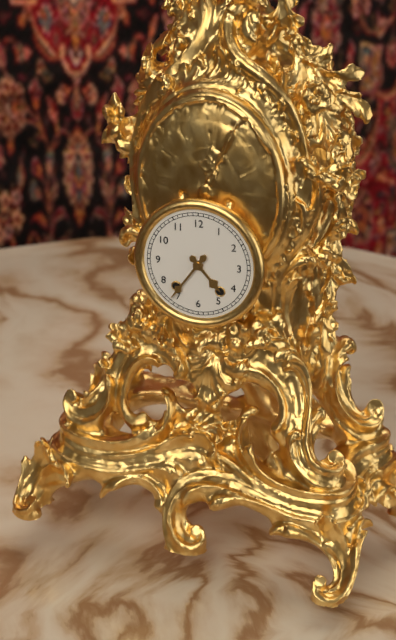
4:36
